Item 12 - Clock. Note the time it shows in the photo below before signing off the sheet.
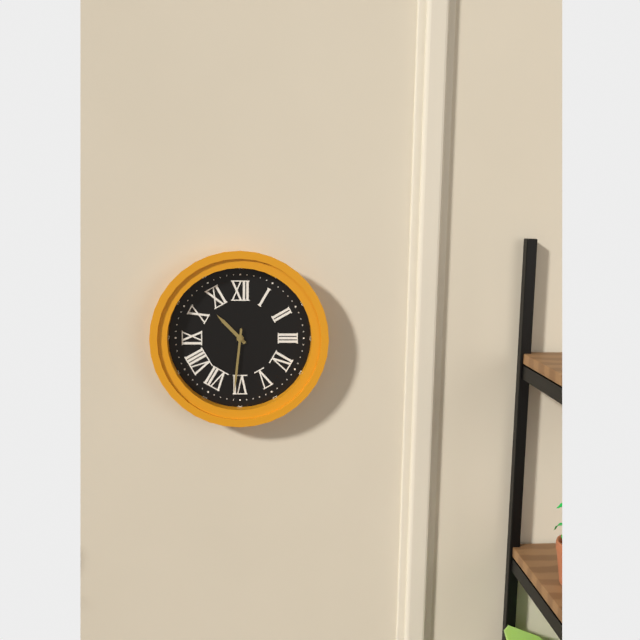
10:31
